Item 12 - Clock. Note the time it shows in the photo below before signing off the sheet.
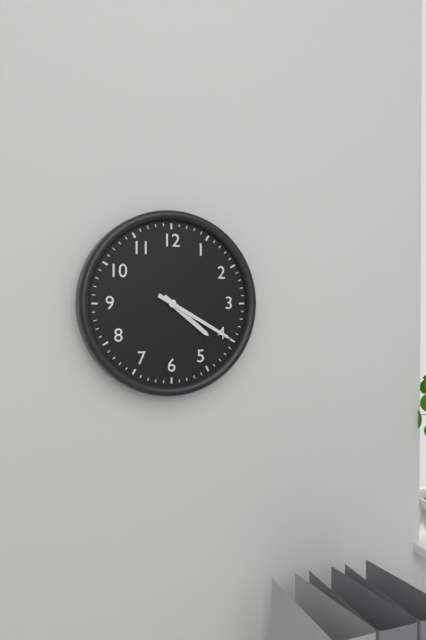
4:20
